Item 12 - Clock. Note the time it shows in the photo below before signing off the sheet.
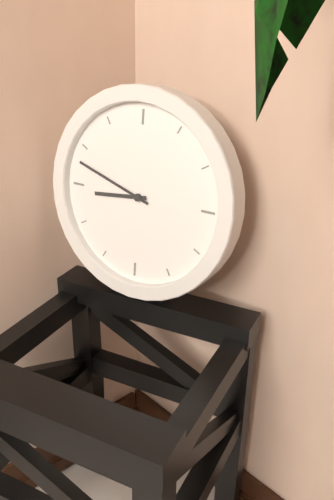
8:48
